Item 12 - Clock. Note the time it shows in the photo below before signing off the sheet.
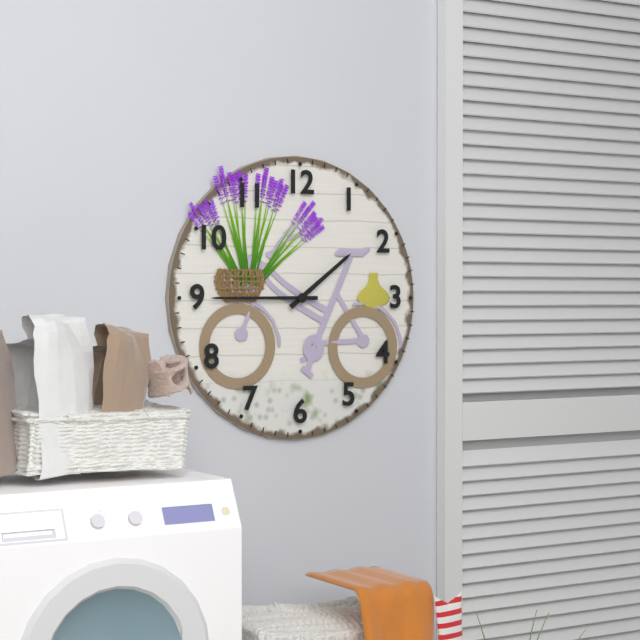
1:45
